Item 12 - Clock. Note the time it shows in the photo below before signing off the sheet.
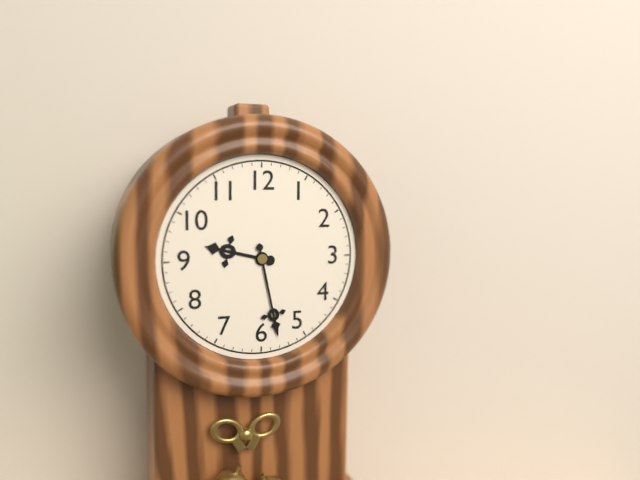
9:28
